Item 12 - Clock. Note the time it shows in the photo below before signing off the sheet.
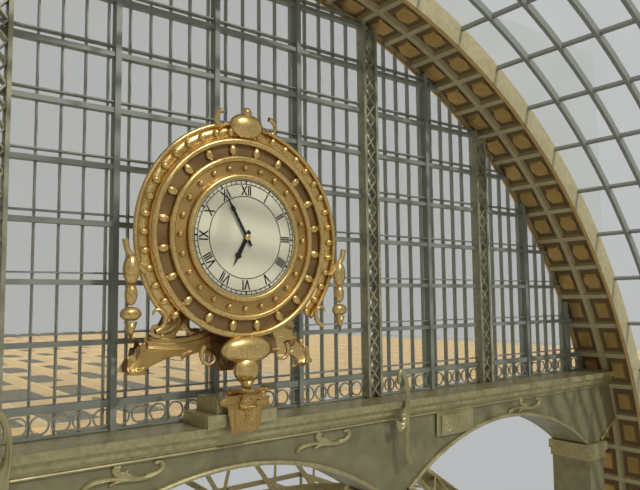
6:55
